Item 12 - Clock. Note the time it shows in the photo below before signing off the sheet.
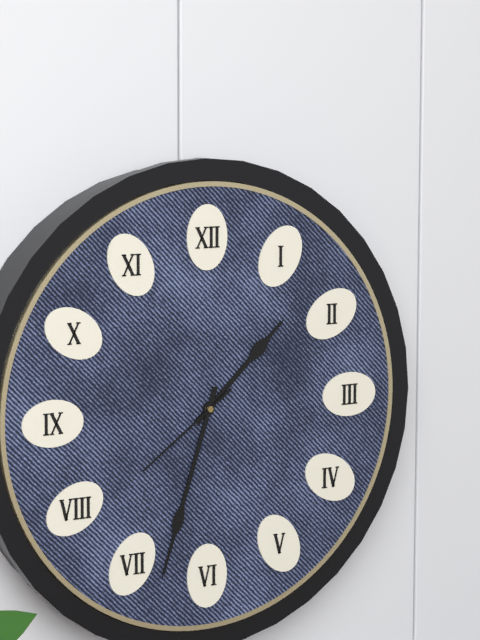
1:33:39
